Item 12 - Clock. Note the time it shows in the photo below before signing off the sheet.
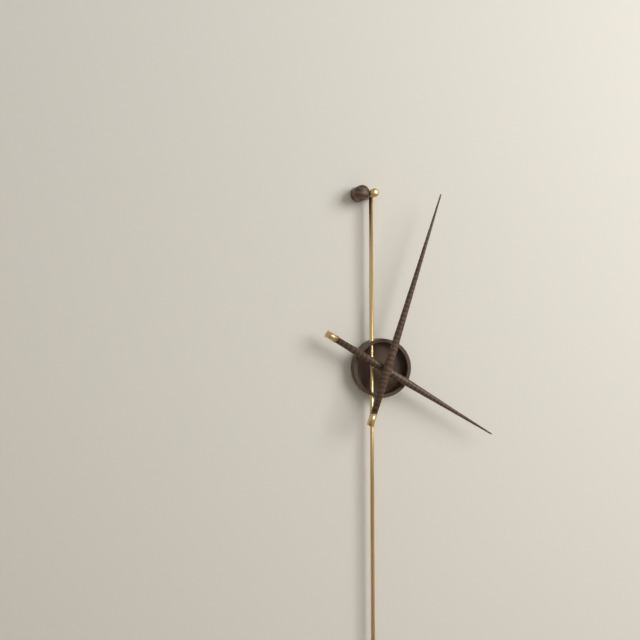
4:03
